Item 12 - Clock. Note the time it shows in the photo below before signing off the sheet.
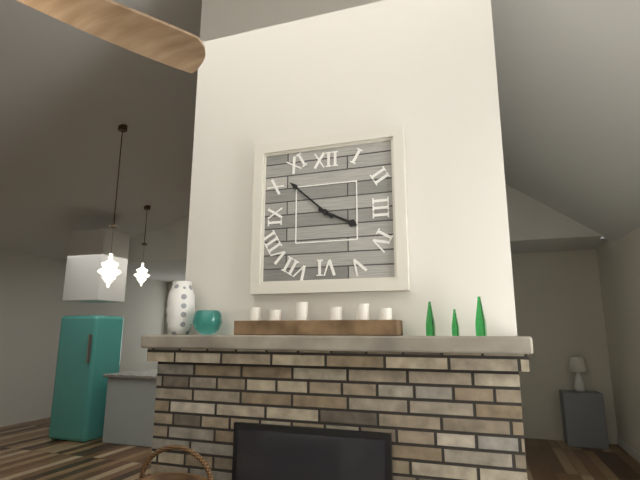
3:52
